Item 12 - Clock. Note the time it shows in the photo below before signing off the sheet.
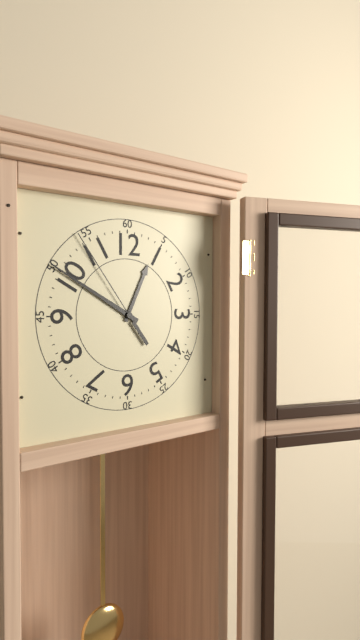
12:50:54
